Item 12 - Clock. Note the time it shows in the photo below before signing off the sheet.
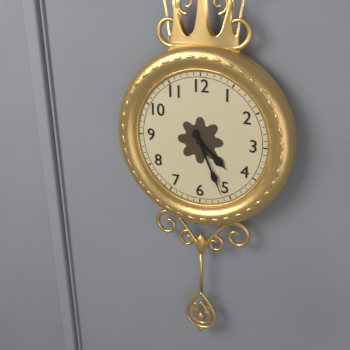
4:26
